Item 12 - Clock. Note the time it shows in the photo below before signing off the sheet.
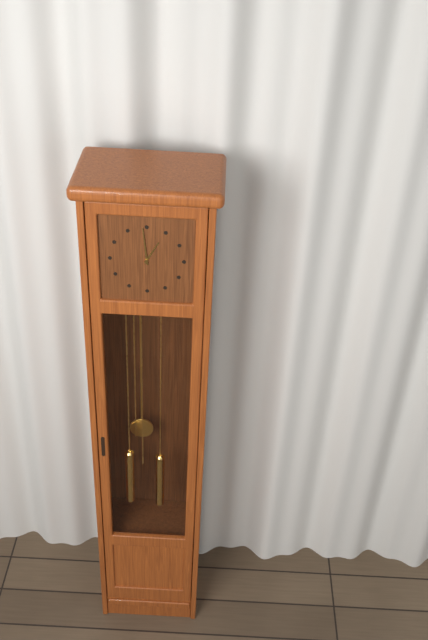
12:59
